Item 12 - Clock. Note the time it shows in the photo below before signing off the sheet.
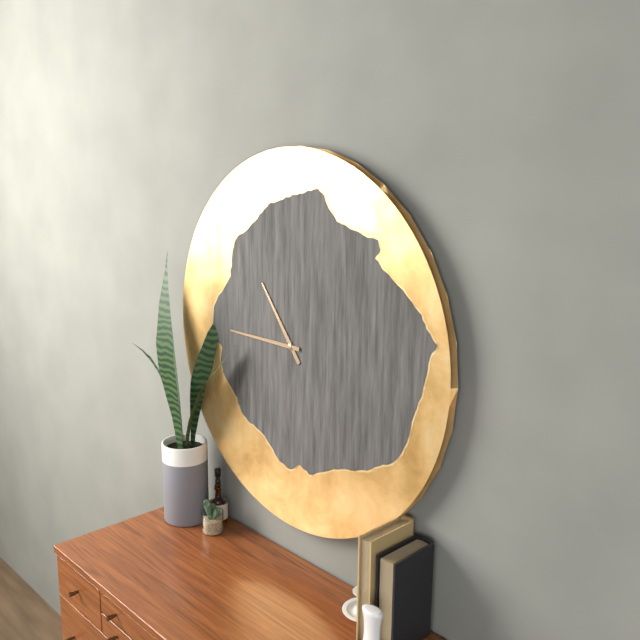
10:45
